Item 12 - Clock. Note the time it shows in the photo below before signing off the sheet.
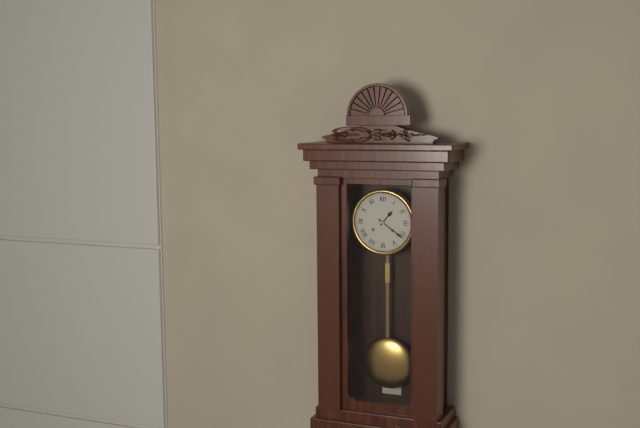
1:21
